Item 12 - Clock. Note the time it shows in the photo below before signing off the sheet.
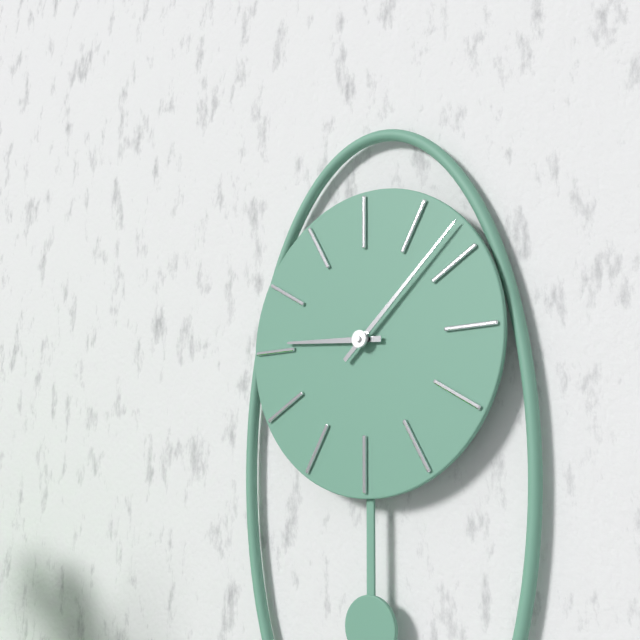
9:08
